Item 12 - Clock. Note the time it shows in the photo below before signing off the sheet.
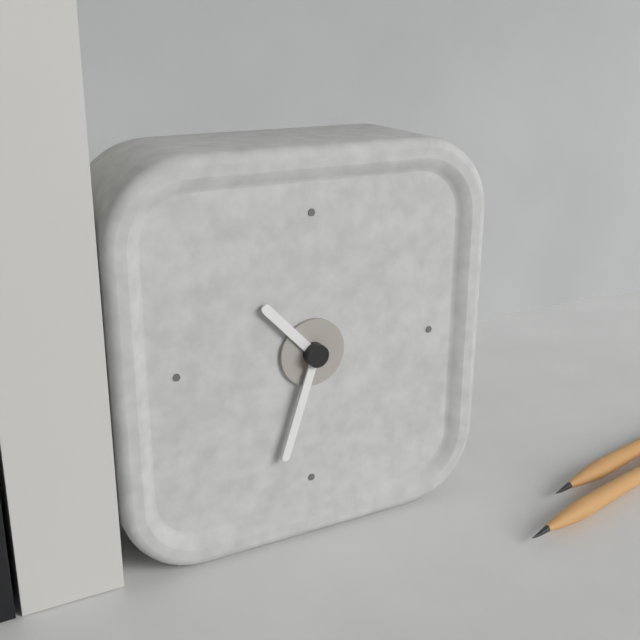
10:33
